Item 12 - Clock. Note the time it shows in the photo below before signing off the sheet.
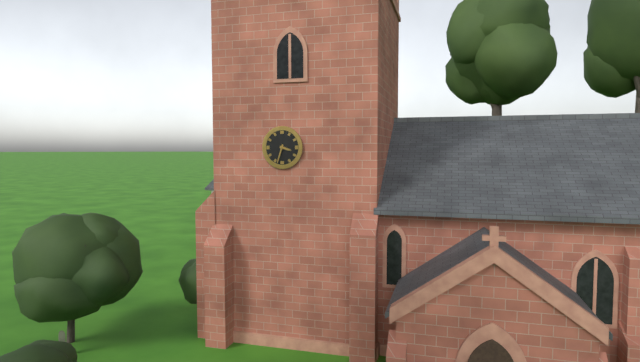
3:33
